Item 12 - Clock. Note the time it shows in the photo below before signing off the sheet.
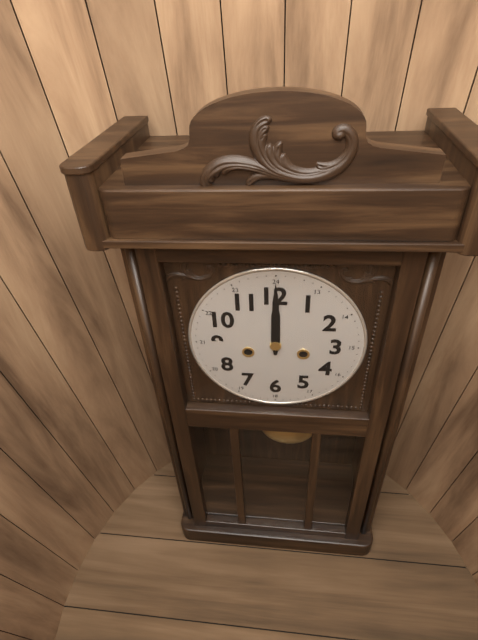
12:00
